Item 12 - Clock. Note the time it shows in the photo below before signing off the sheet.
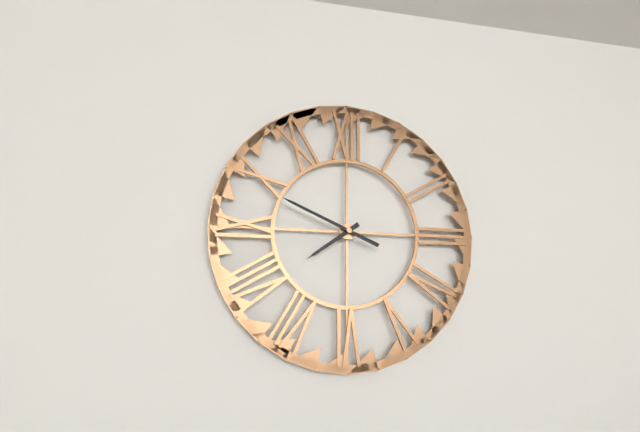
7:49
